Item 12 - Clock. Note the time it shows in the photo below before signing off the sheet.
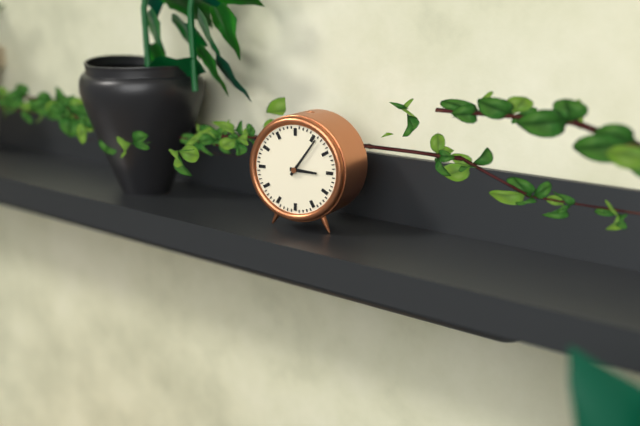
3:06
